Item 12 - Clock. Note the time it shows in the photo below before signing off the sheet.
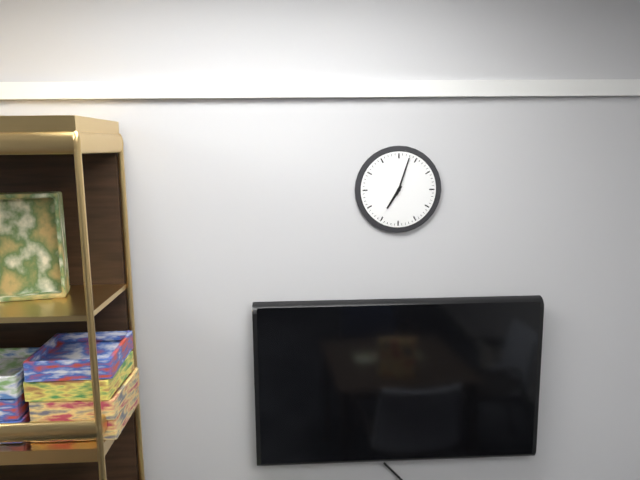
7:03
